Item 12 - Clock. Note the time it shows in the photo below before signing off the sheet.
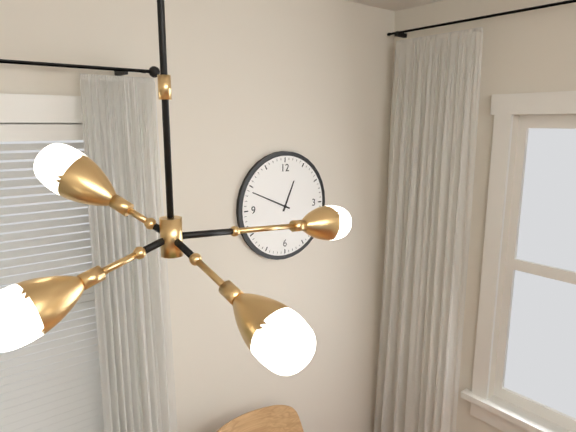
12:49
